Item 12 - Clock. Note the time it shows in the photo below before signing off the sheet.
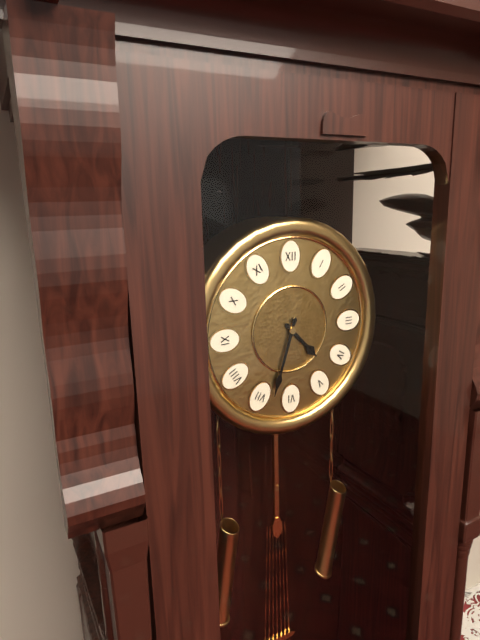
4:33
